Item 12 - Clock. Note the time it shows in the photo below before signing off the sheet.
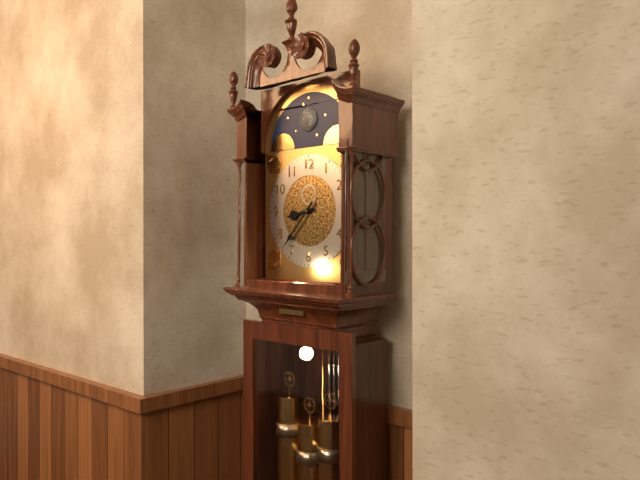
8:37
